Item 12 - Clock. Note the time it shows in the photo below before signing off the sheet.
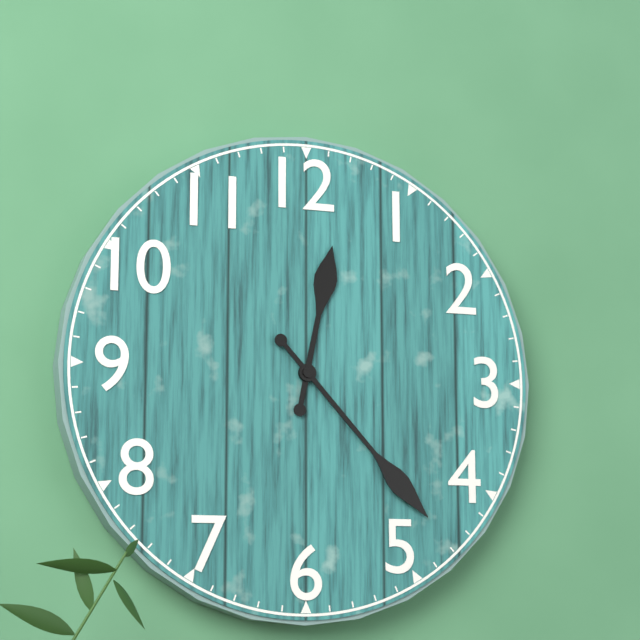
12:23
